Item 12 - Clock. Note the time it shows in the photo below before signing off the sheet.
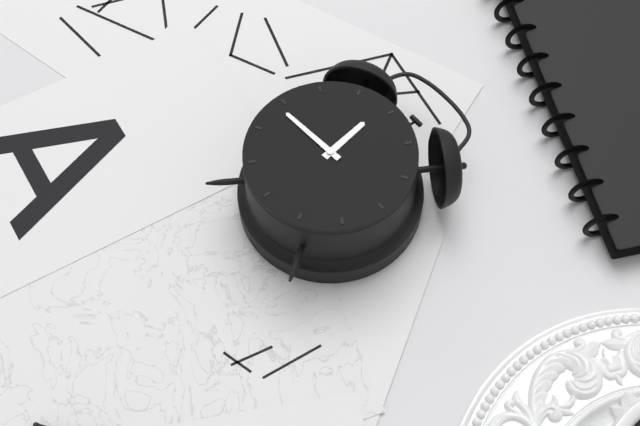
11:44
